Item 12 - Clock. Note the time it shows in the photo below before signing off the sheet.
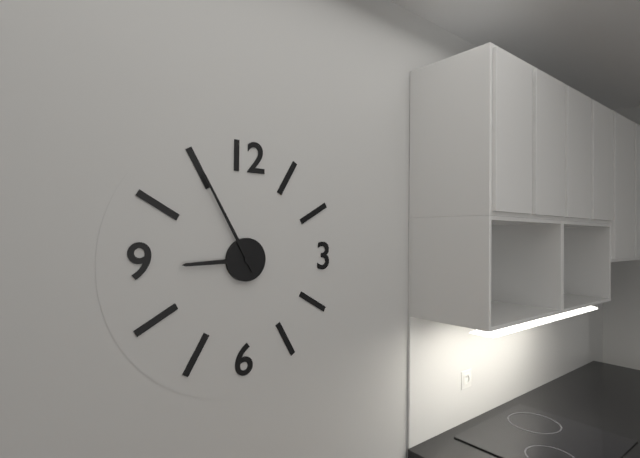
8:55
